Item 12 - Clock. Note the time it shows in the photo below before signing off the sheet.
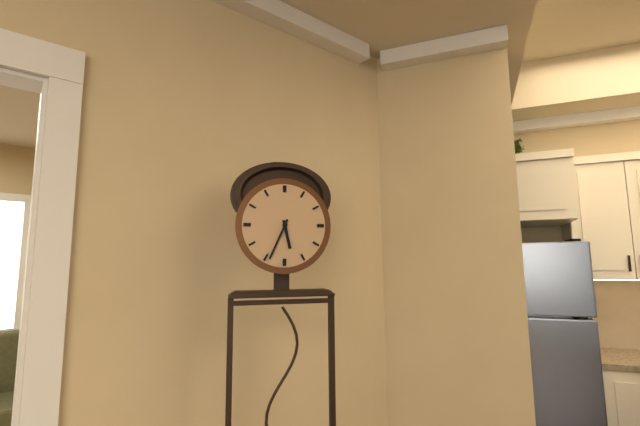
5:34
